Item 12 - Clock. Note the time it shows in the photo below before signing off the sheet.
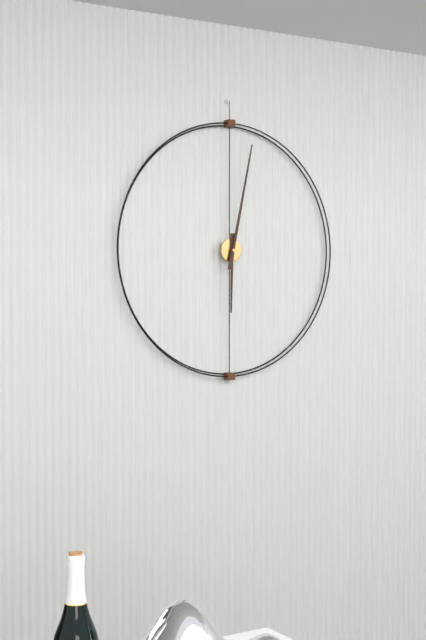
6:02
